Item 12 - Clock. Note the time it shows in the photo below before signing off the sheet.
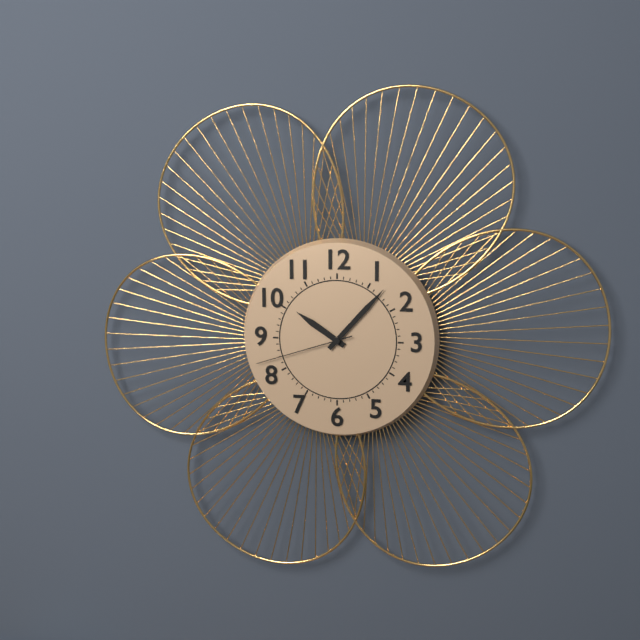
10:07:42
